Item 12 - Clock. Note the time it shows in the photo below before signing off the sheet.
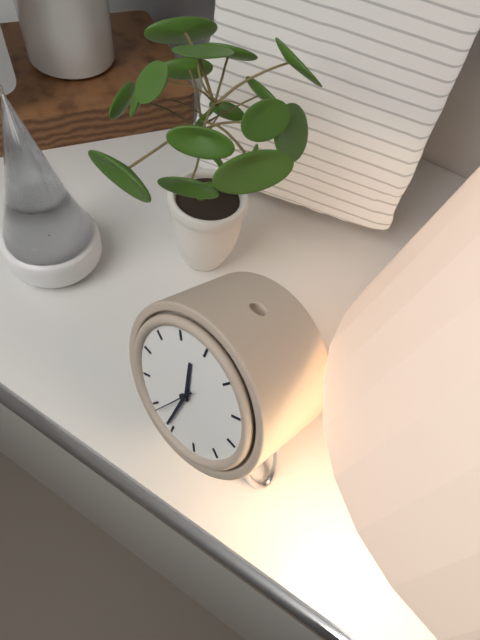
11:31
